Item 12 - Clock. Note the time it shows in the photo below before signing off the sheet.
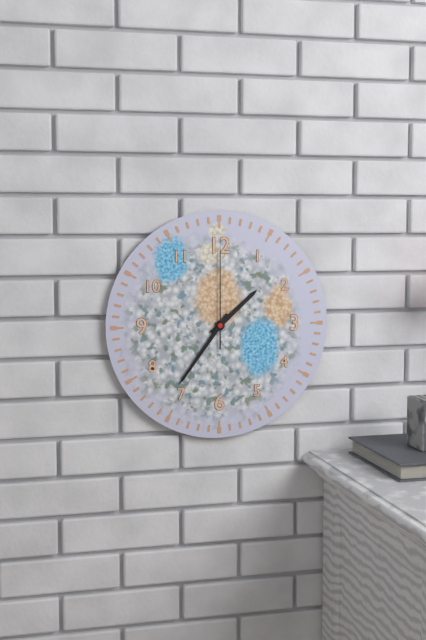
1:36:00
